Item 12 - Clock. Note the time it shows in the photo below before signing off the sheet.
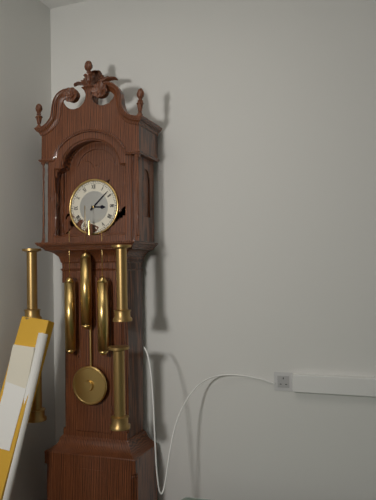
3:08
